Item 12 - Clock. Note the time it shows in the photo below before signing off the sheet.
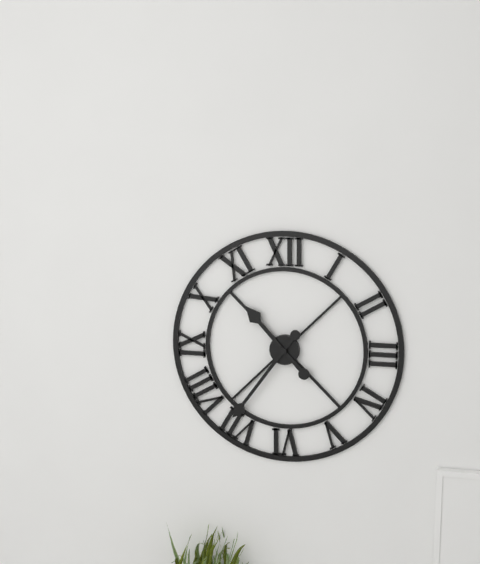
10:36
